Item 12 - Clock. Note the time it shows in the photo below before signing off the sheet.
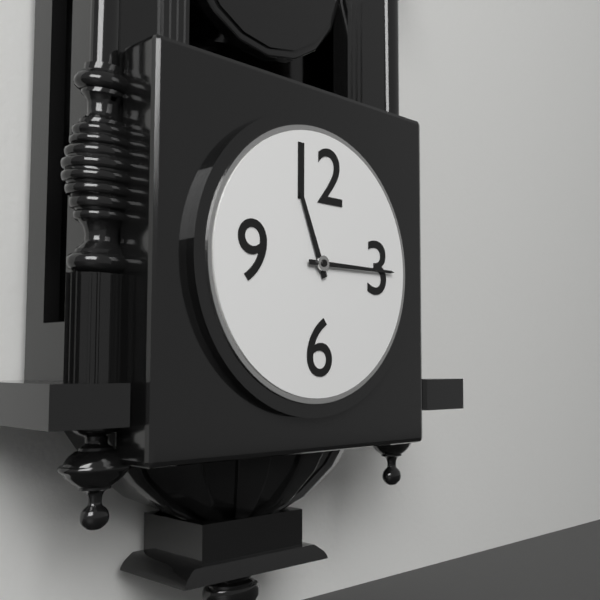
11:15
